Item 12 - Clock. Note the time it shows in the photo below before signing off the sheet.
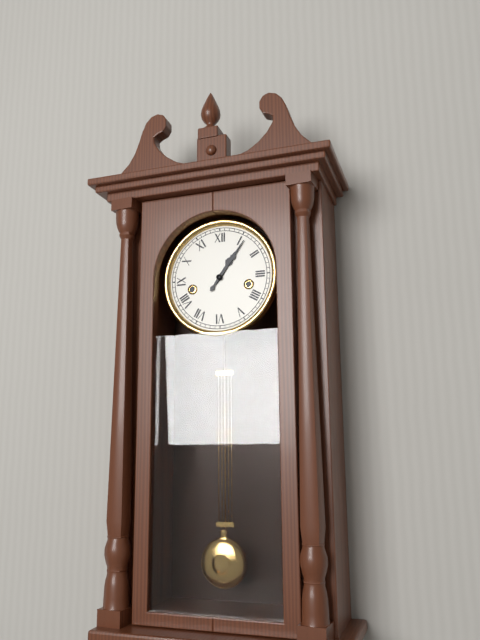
1:06
